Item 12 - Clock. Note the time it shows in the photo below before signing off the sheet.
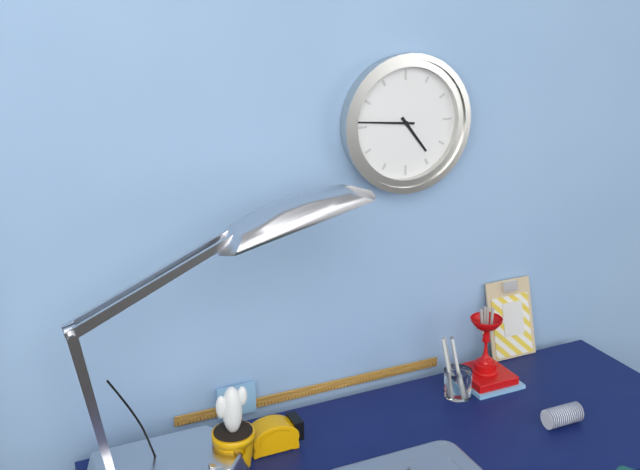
4:46
